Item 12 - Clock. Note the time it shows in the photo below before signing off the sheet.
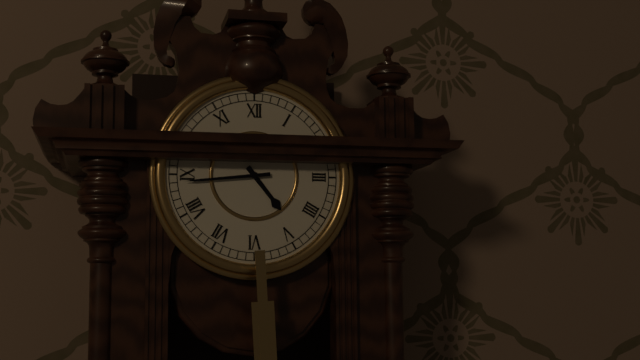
4:44
